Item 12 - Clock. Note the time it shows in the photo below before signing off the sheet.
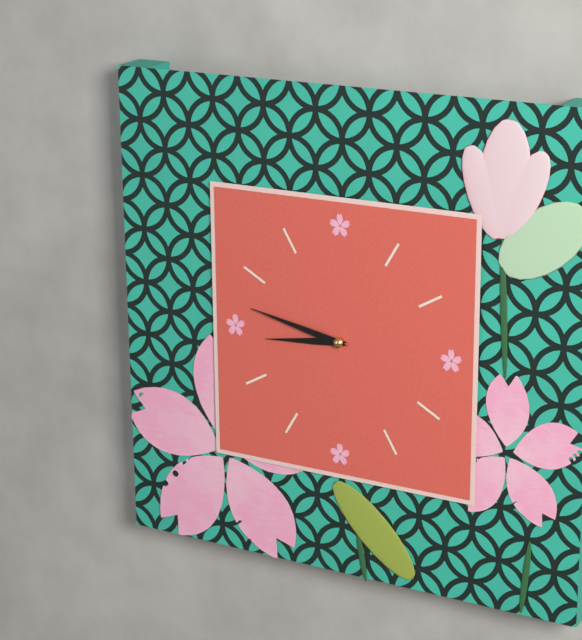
8:47
